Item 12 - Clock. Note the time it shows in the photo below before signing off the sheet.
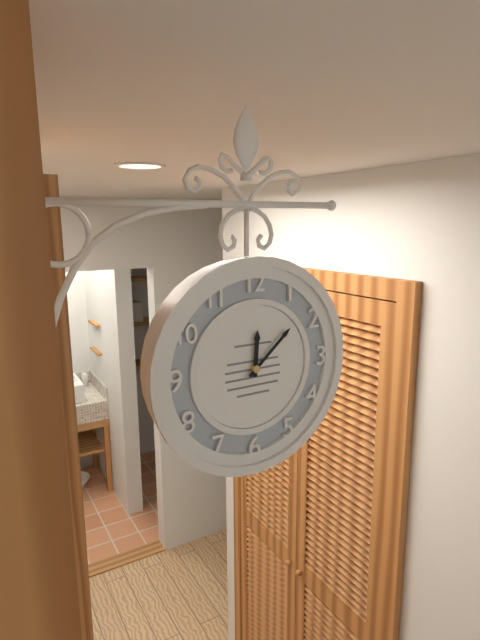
12:08
